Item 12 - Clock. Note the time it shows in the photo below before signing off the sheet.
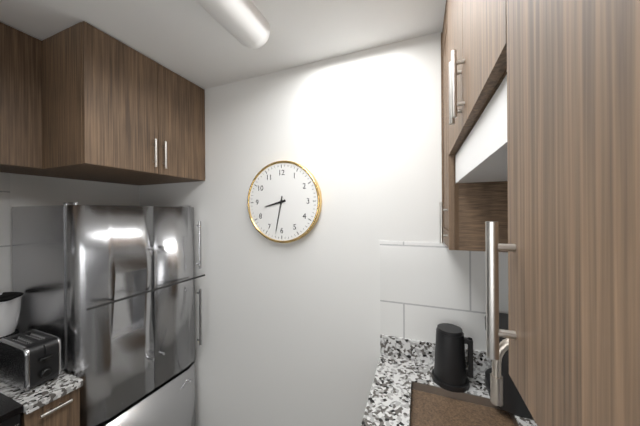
8:32
